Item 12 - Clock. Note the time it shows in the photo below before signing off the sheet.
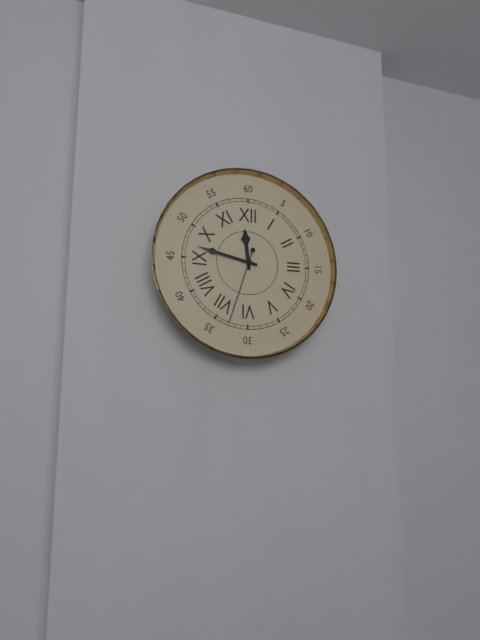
11:47:33
